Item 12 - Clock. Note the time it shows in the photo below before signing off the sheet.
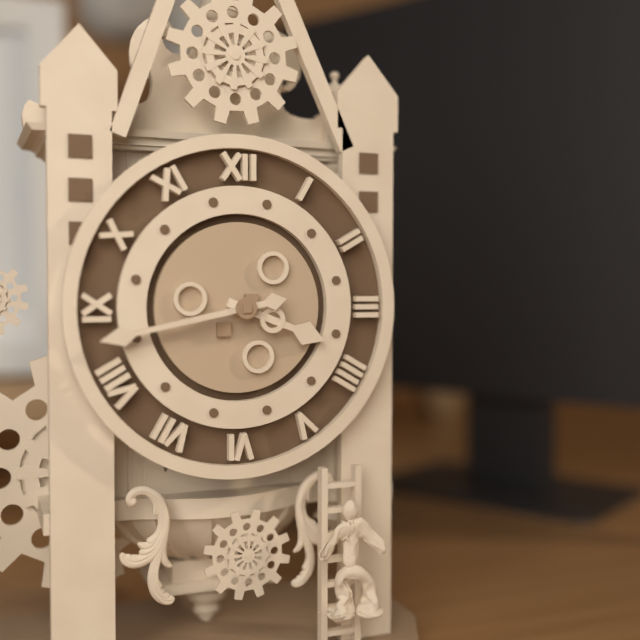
3:43
